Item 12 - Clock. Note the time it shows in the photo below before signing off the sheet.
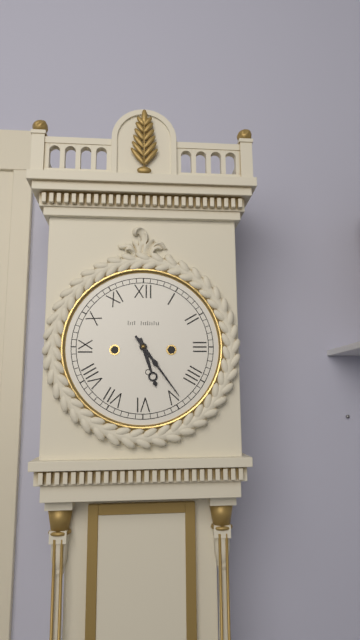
5:24
